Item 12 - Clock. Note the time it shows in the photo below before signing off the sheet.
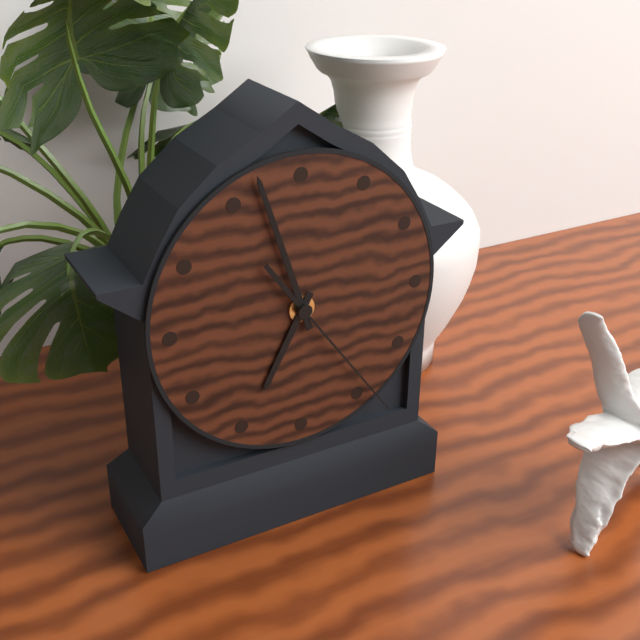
6:57:24
